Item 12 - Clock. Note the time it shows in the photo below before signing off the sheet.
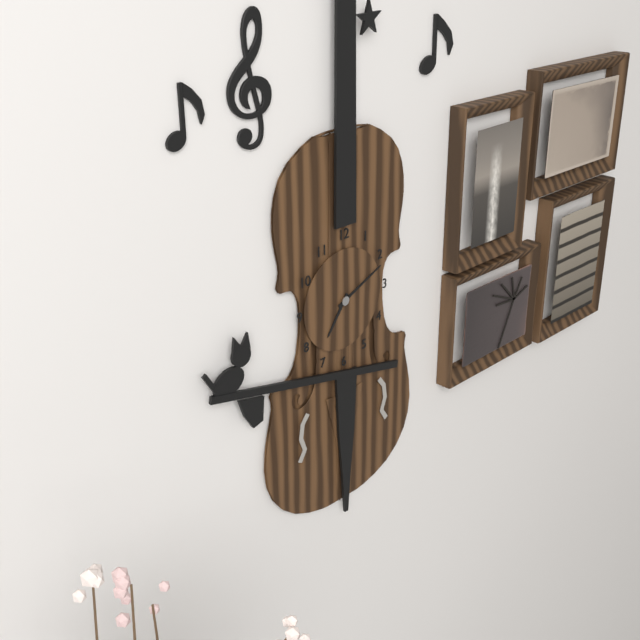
7:11
